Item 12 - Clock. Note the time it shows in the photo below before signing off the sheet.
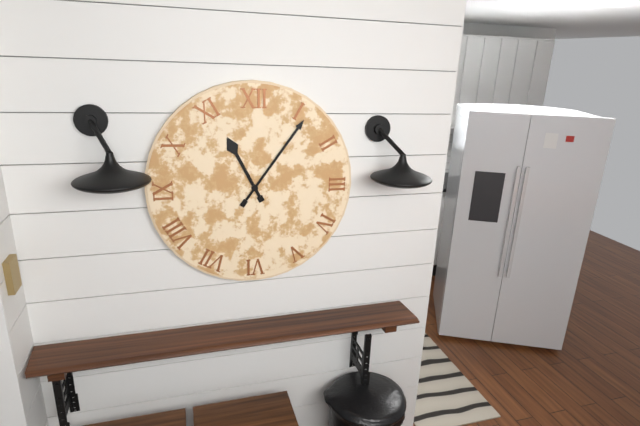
11:06
